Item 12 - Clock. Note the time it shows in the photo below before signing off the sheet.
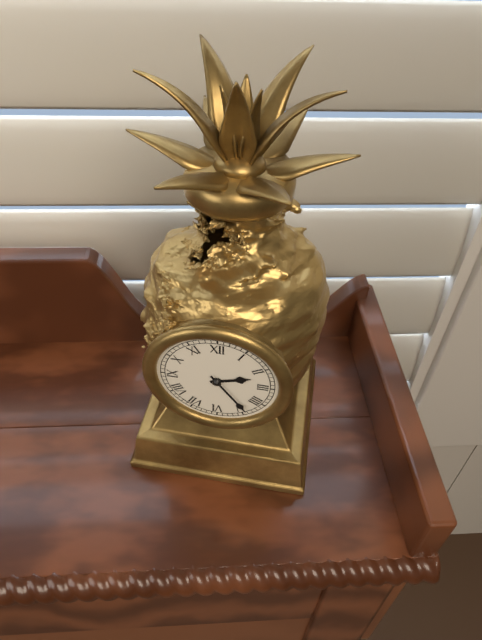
2:24
